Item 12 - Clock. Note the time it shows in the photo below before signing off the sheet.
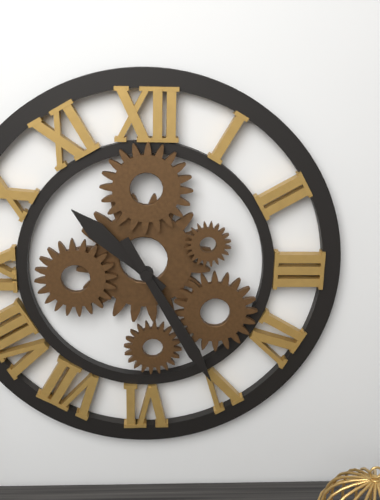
10:25
